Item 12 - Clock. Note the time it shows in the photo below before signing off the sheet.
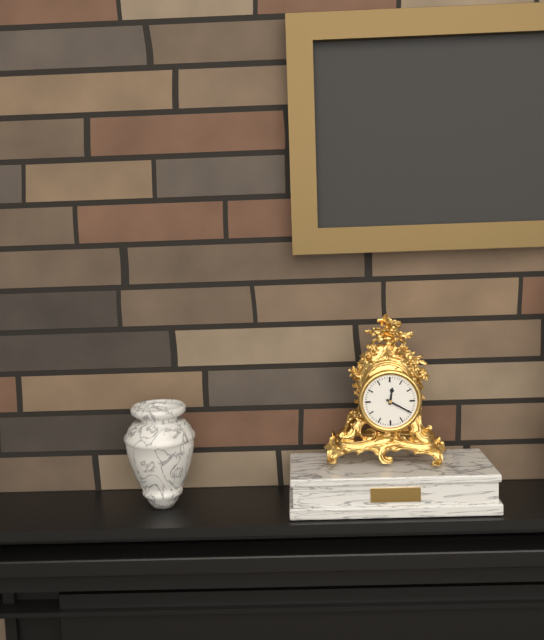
12:20
